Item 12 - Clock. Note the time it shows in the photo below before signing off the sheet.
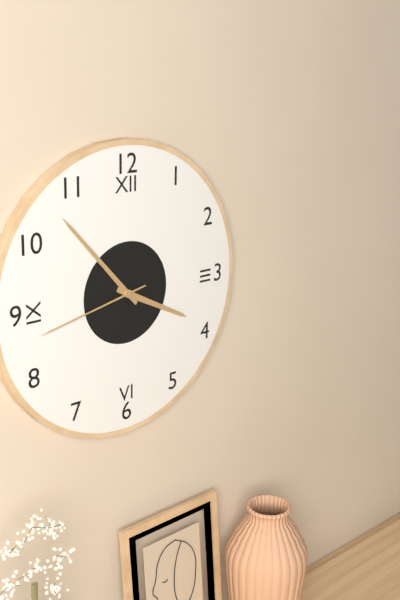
3:53:43
